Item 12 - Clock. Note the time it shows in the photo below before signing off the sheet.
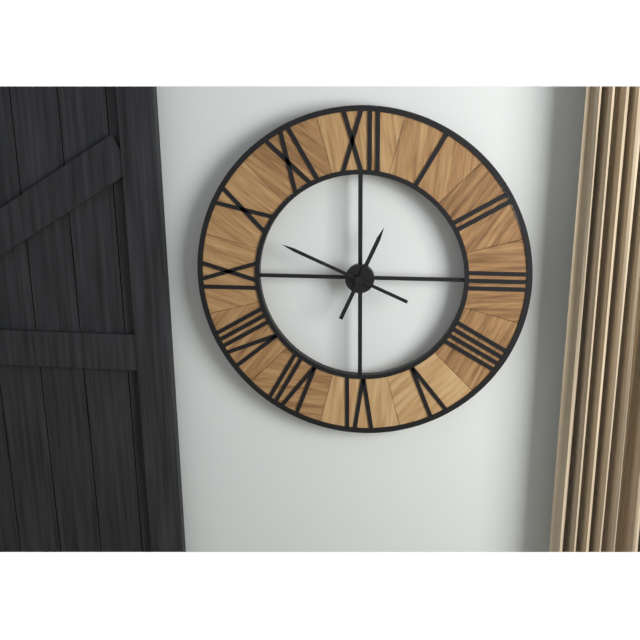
12:49
